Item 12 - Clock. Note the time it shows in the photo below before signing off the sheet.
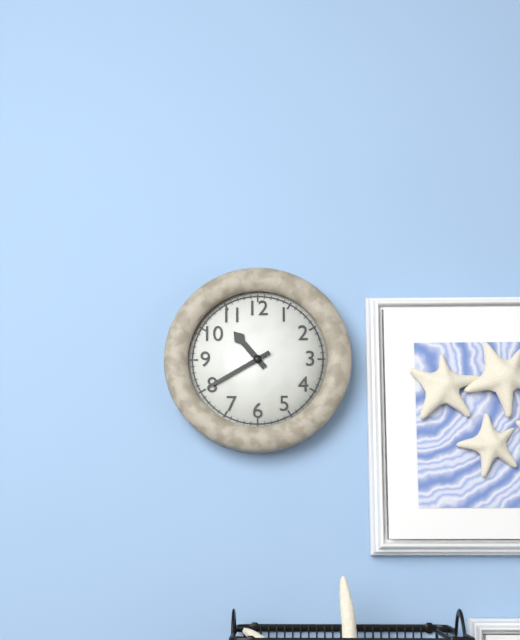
10:40
